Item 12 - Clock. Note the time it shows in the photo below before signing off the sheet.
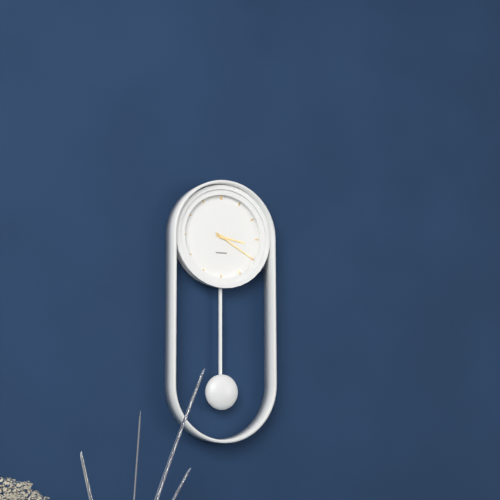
3:20
